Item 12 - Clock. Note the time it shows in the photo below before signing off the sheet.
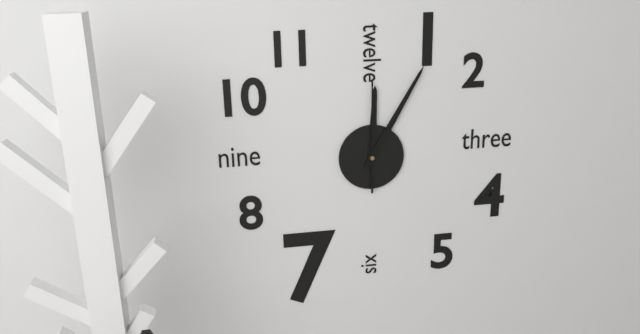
12:05:00
